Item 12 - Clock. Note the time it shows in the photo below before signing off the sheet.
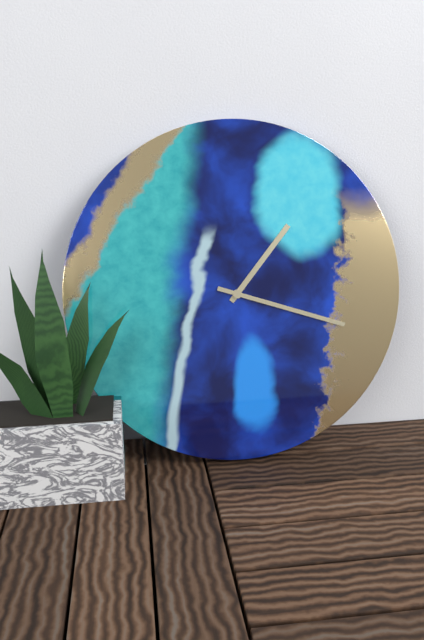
1:18
